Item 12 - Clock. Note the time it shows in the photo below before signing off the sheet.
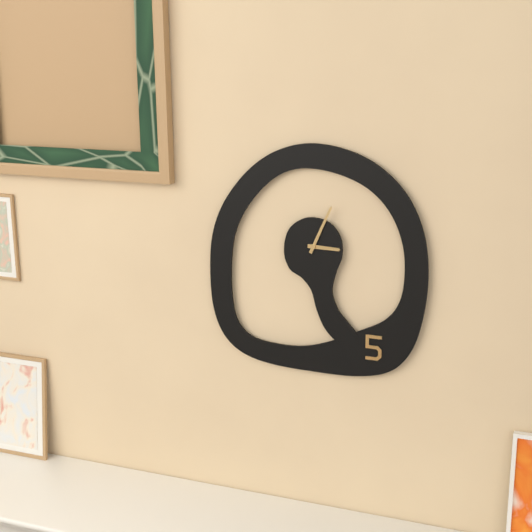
3:04
